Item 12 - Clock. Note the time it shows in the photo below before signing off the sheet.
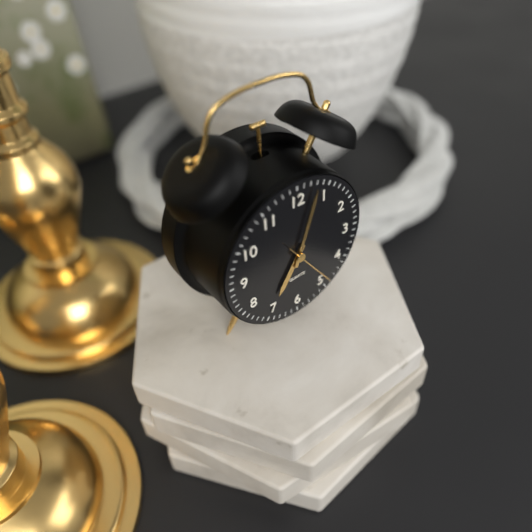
7:03:24
